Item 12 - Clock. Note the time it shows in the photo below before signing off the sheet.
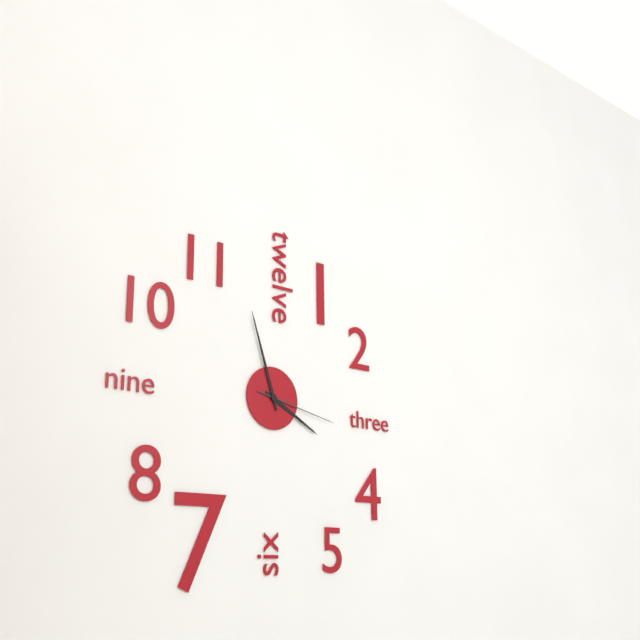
3:57:17
